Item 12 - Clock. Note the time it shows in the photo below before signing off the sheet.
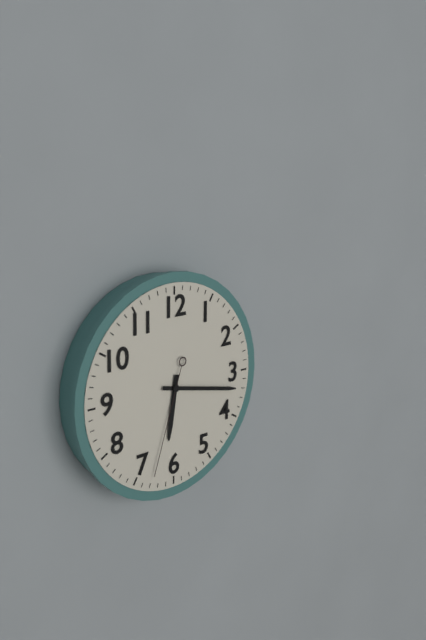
6:17:33
